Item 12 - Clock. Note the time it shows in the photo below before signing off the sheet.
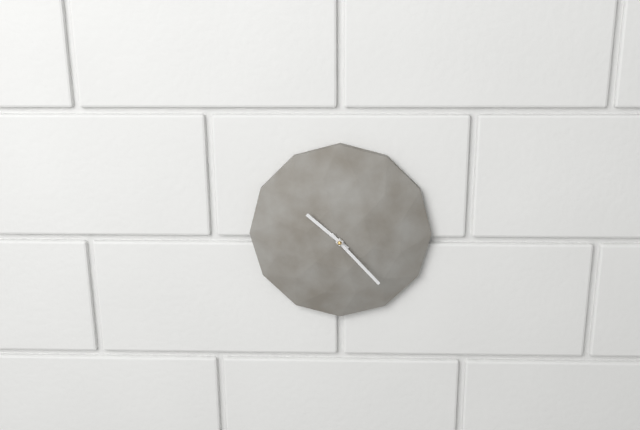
10:23
